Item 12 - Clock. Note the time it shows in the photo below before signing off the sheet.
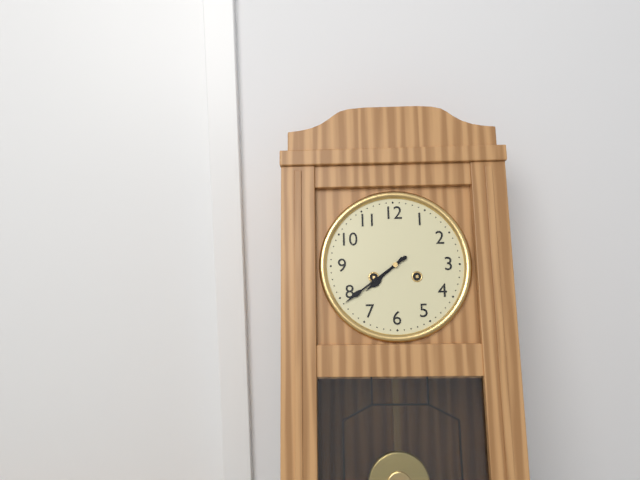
7:39
